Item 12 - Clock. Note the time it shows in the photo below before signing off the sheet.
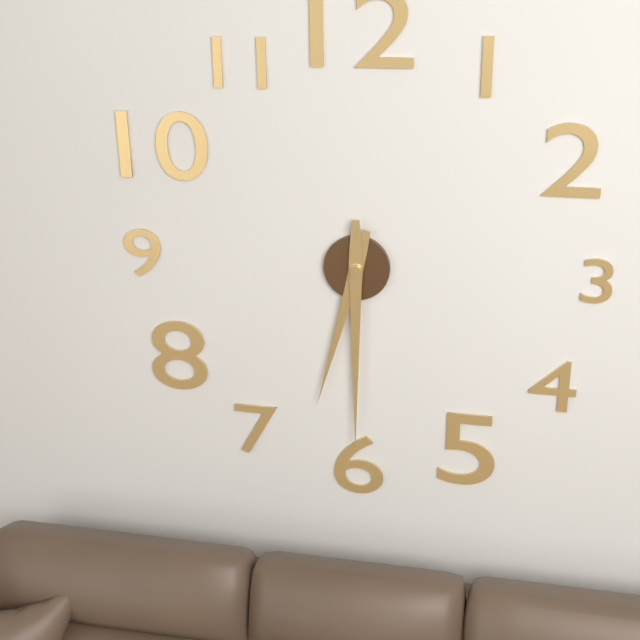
6:30
